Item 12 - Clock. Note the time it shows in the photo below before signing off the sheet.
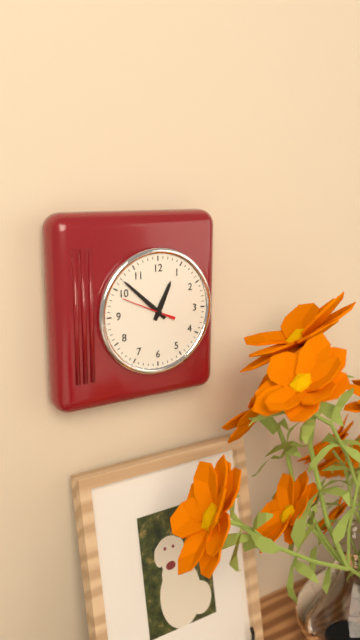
12:52
